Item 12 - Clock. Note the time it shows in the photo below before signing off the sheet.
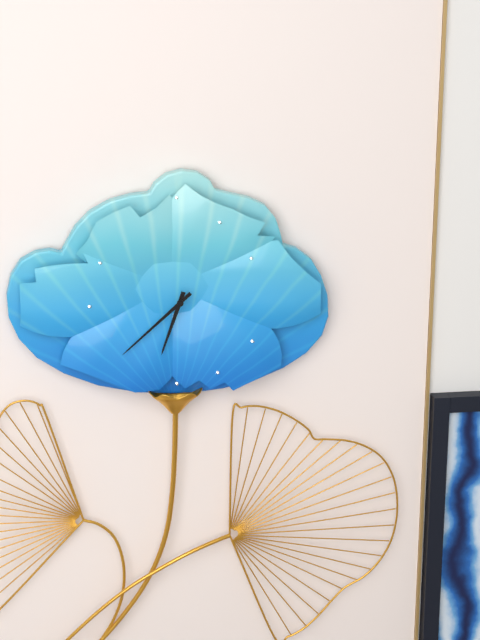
6:38
